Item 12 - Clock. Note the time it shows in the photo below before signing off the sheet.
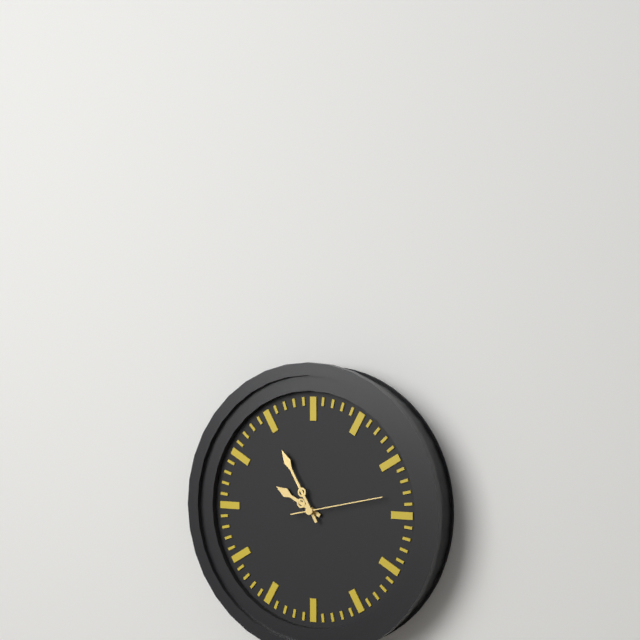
9:55:13
